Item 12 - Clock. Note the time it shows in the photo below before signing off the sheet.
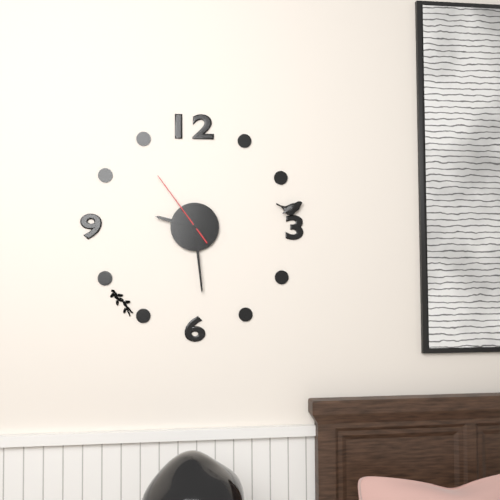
9:29:54
